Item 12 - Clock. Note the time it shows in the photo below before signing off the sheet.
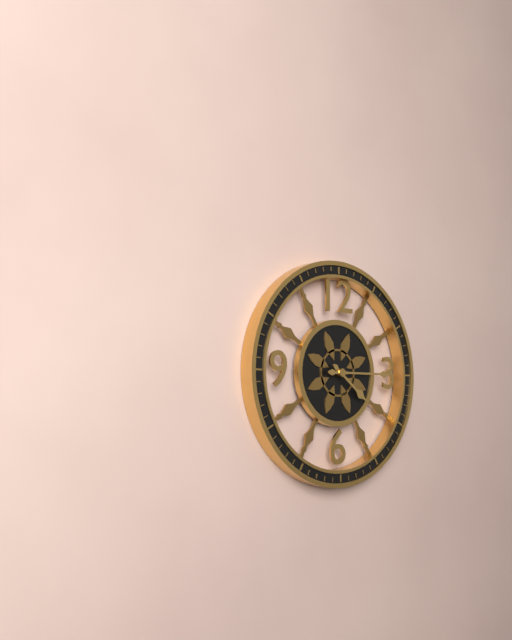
4:15
